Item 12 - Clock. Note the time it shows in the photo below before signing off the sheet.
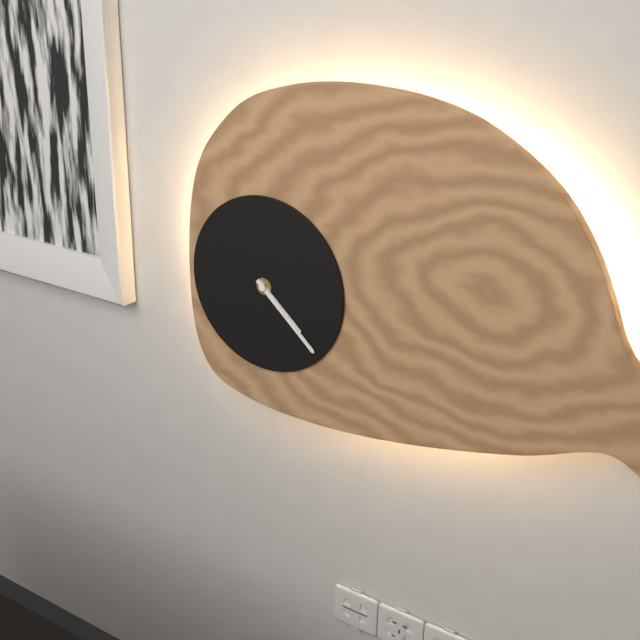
4:22
